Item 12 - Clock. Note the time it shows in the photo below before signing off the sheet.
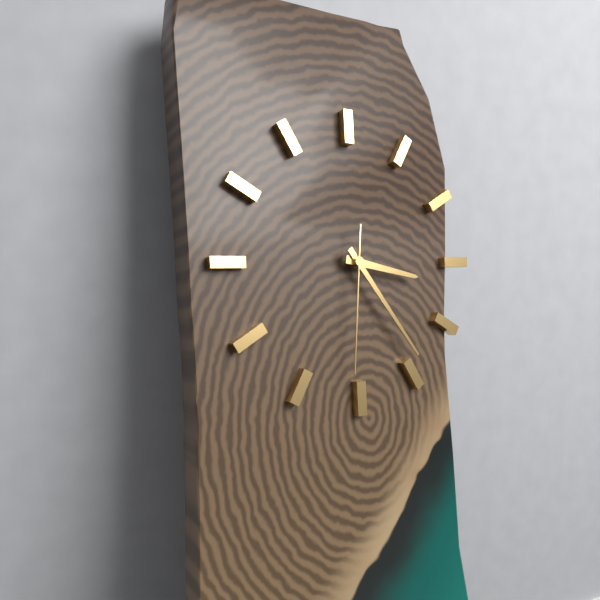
3:24:31
